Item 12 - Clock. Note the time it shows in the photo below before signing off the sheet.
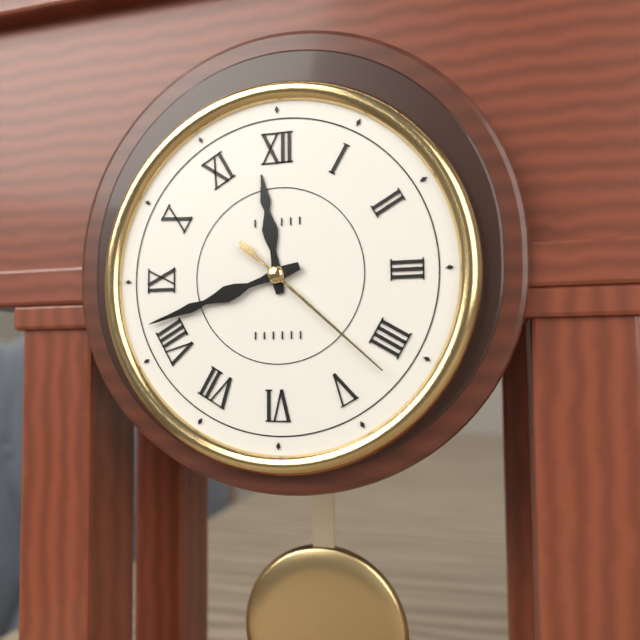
11:42:22
